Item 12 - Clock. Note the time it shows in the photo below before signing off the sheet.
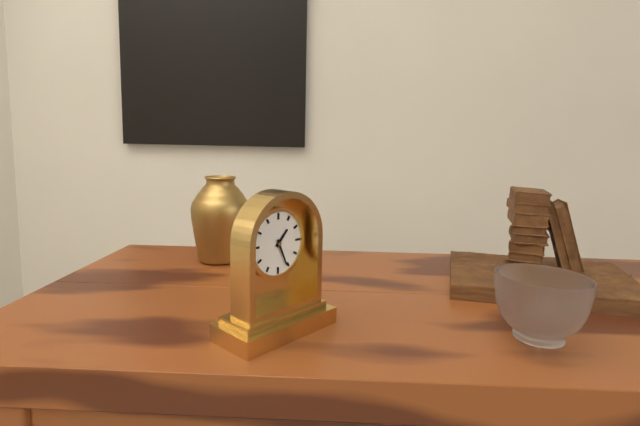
1:26
